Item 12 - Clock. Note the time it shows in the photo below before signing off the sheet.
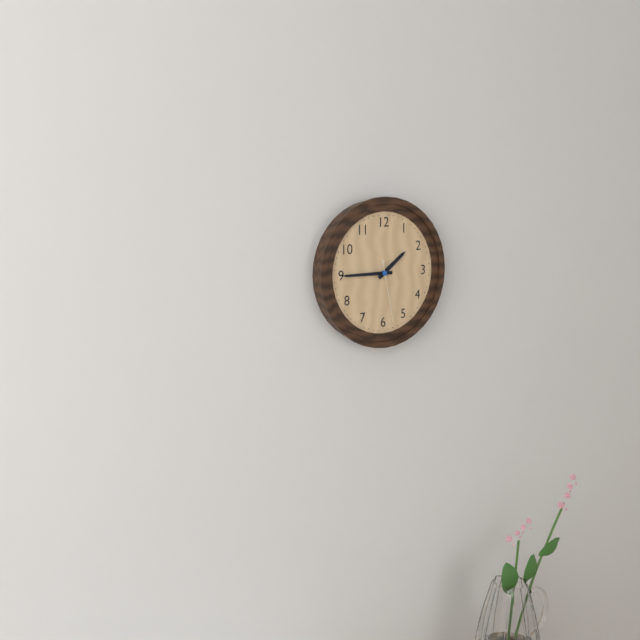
1:45:28
